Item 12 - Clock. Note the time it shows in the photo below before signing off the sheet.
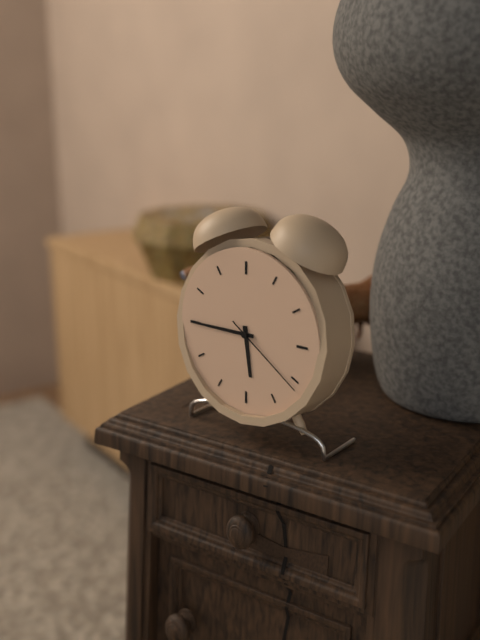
5:45:21
